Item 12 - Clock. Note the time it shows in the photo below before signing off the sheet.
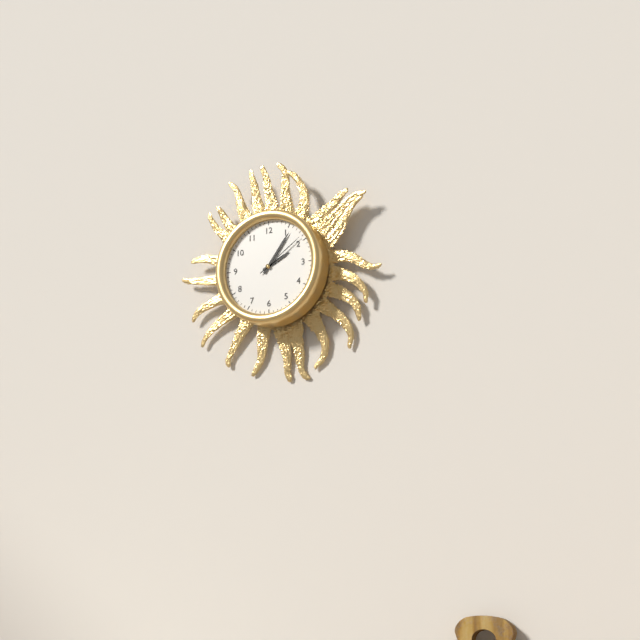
2:06:09
